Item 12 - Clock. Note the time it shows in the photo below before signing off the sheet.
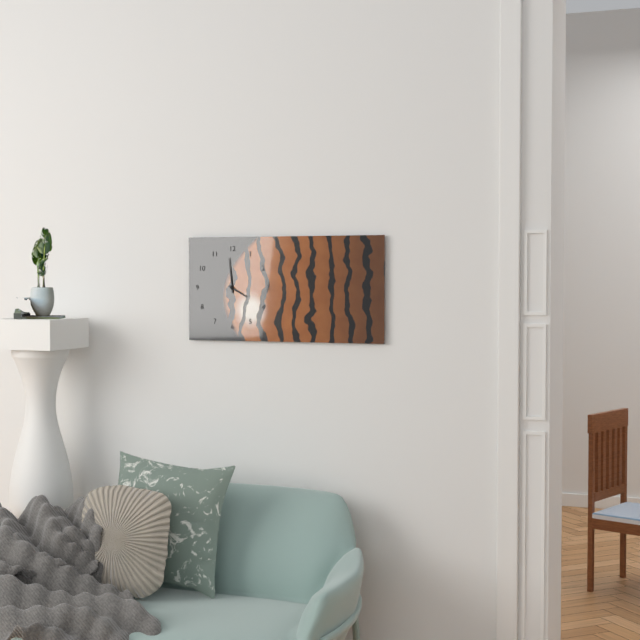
3:59
